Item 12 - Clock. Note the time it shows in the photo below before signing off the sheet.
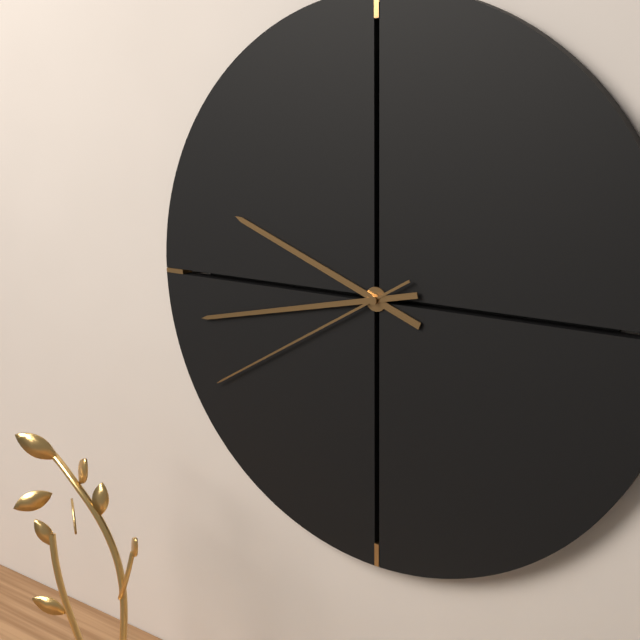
9:43:40
